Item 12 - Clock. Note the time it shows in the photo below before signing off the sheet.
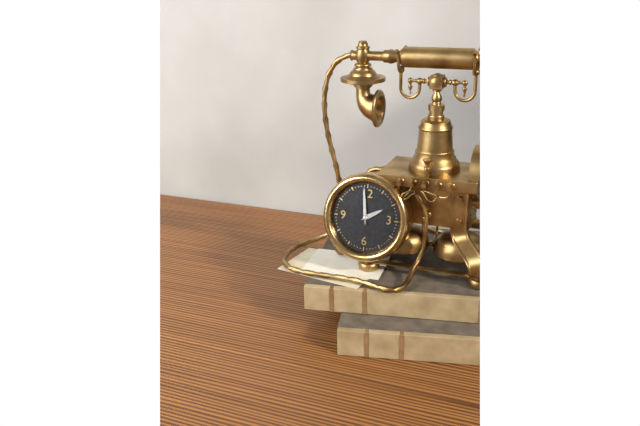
1:59
